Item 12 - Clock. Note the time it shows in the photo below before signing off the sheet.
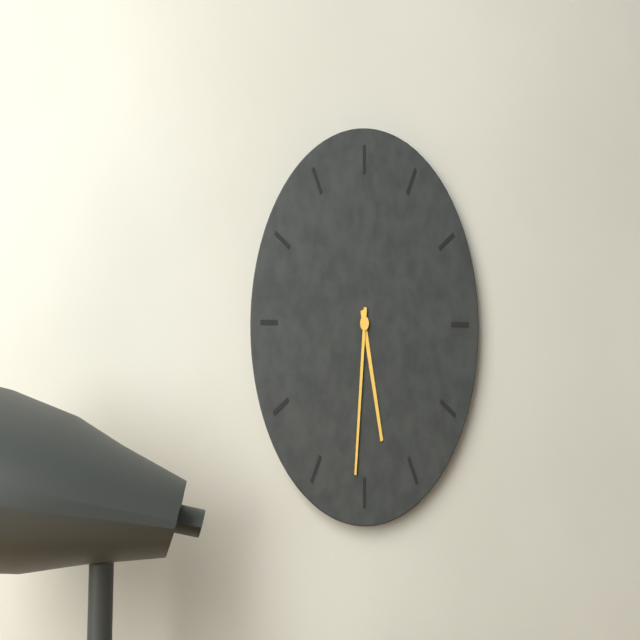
5:31
